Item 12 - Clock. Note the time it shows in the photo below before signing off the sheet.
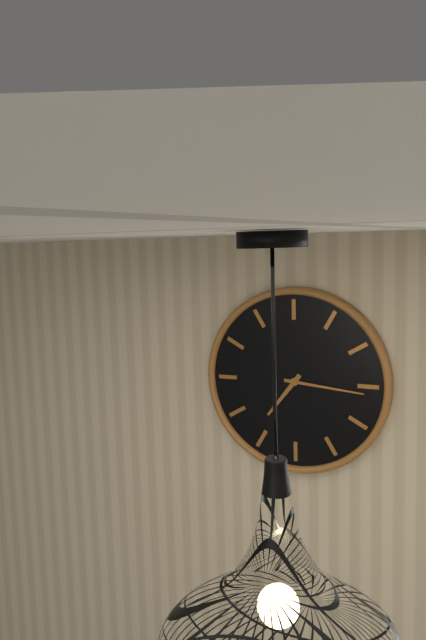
7:16
